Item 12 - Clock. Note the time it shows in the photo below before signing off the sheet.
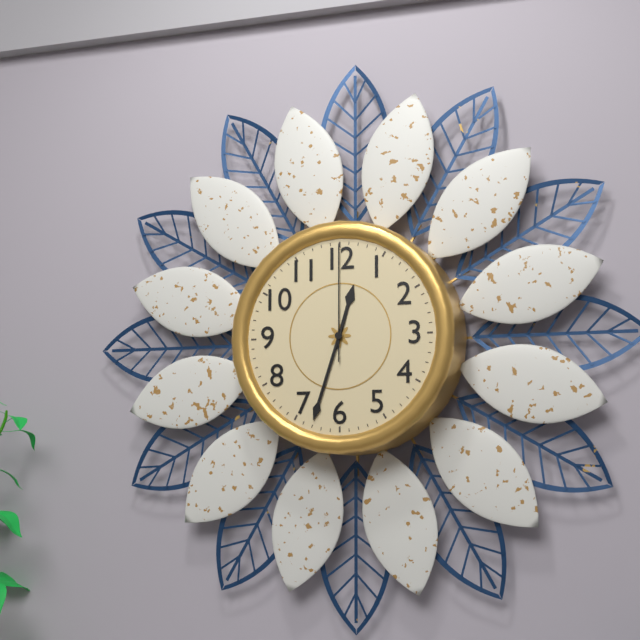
12:33:00
